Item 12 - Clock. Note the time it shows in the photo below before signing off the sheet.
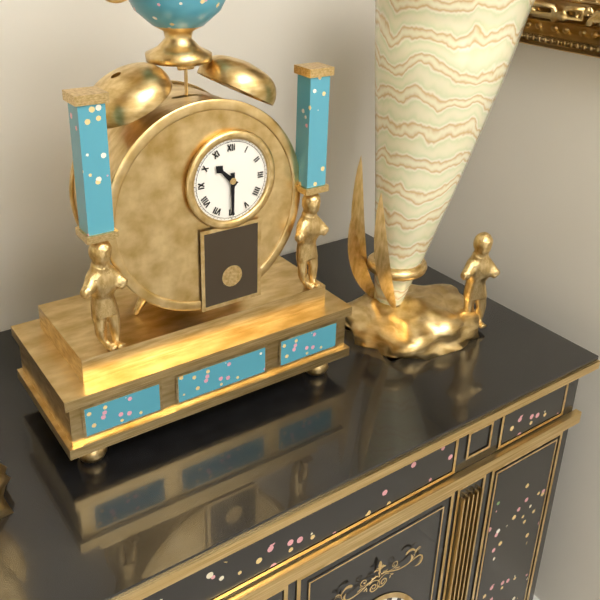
10:30
